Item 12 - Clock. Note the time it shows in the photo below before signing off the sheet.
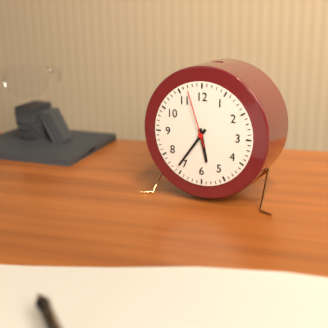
5:36:57
